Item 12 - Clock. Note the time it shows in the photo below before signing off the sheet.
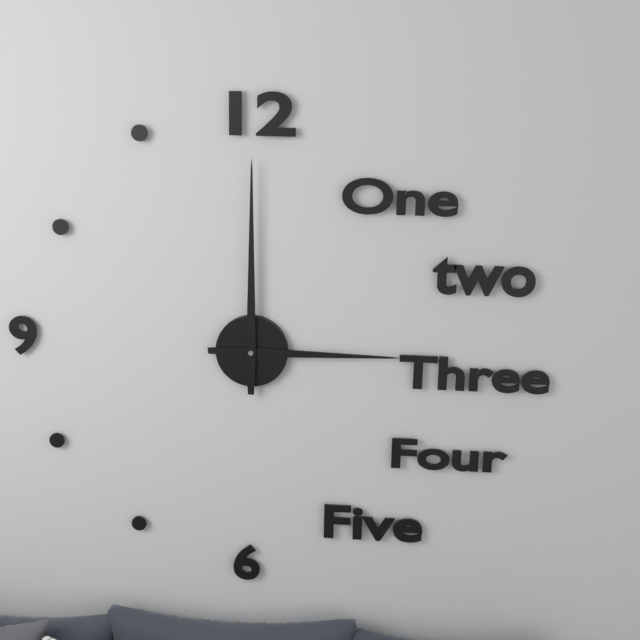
3:00
